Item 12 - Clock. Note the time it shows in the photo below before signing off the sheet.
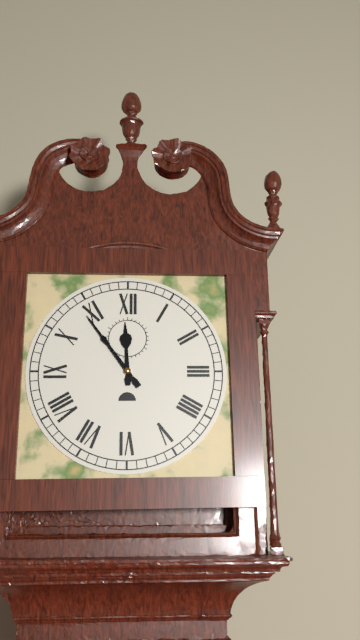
11:54
